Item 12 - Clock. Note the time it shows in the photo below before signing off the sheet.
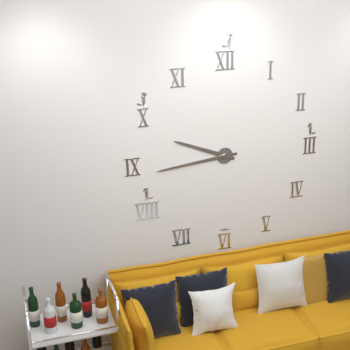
9:44
